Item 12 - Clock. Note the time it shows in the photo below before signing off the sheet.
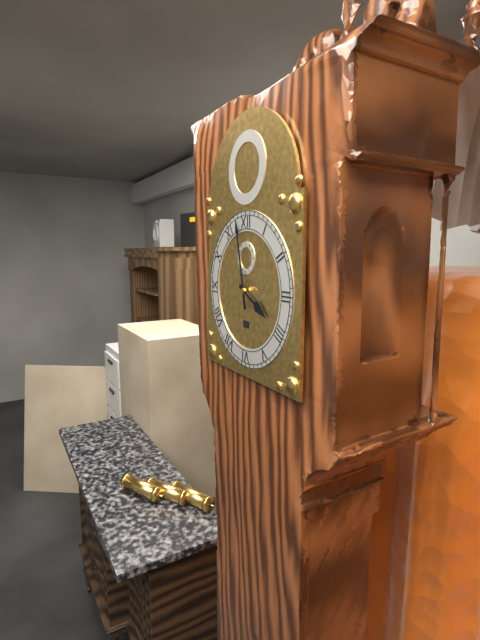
3:58
